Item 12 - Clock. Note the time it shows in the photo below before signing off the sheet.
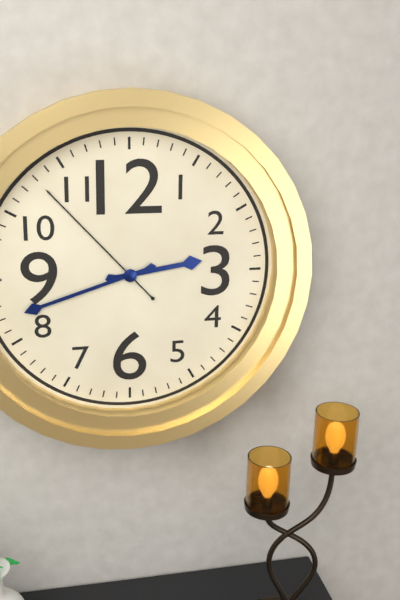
2:42:53
